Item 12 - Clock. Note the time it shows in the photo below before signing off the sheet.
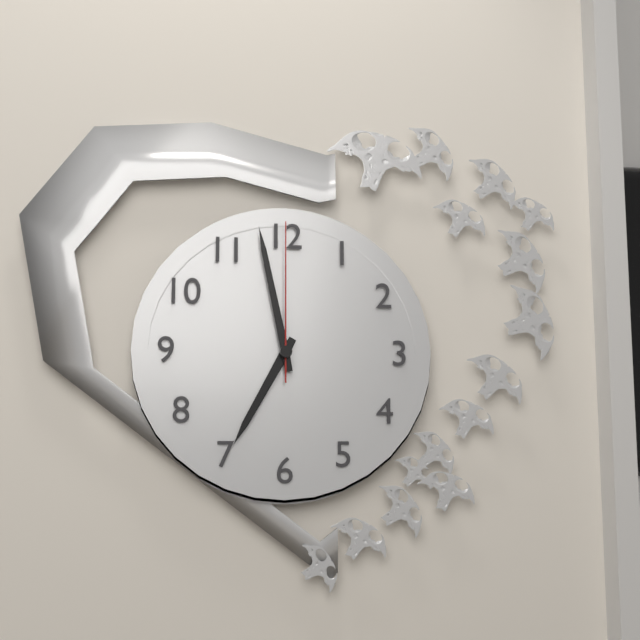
6:58:00
